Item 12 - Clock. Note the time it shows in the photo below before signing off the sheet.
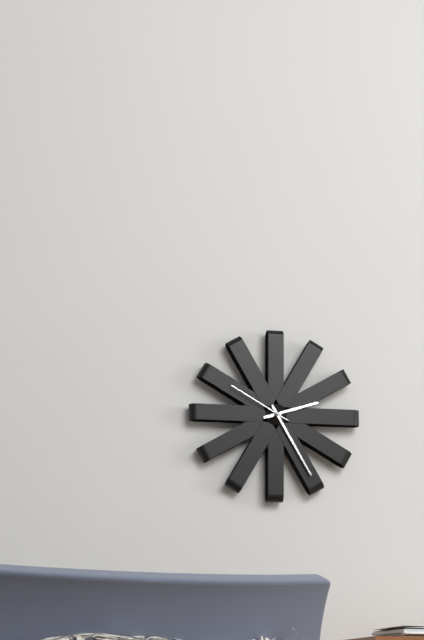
2:25:50
